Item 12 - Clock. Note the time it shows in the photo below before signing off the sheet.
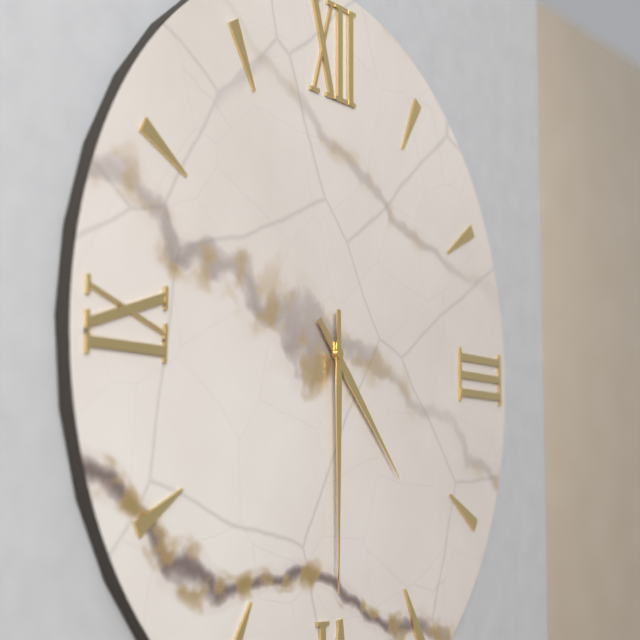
4:30
